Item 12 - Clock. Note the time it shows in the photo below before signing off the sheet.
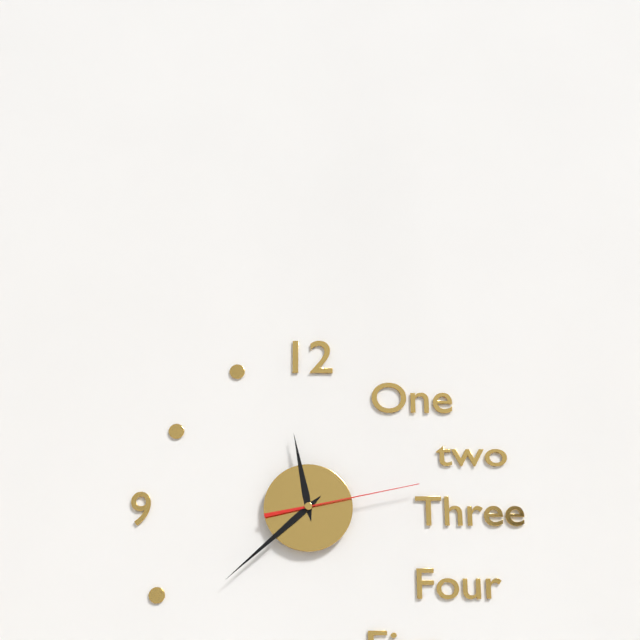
11:38:13
